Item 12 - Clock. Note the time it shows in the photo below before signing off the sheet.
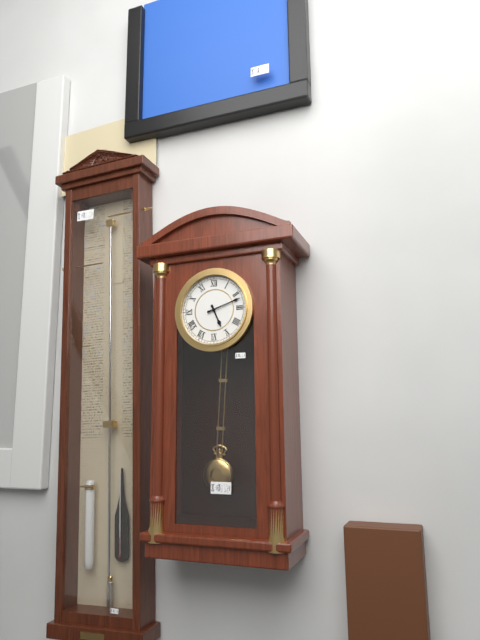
5:12
